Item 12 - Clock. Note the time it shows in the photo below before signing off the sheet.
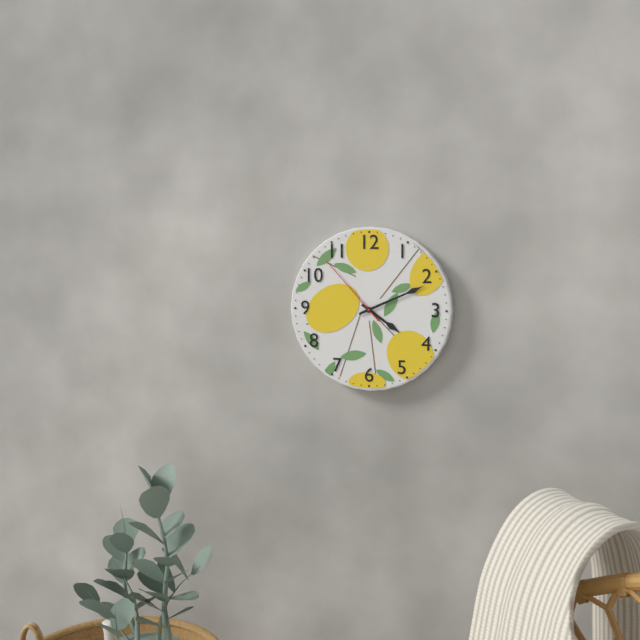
4:11:53
